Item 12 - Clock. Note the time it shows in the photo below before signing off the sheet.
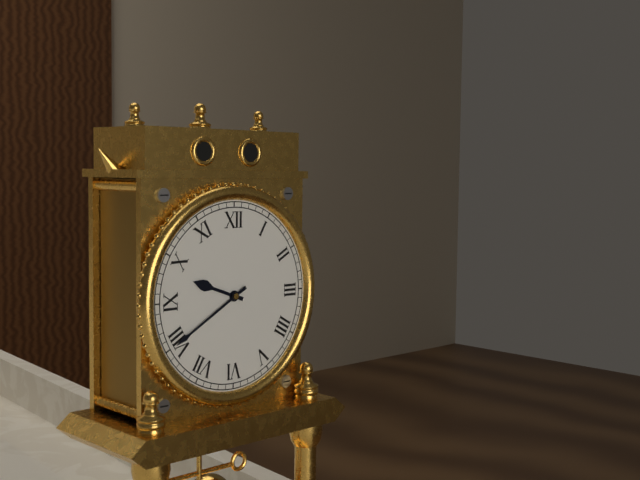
9:40
